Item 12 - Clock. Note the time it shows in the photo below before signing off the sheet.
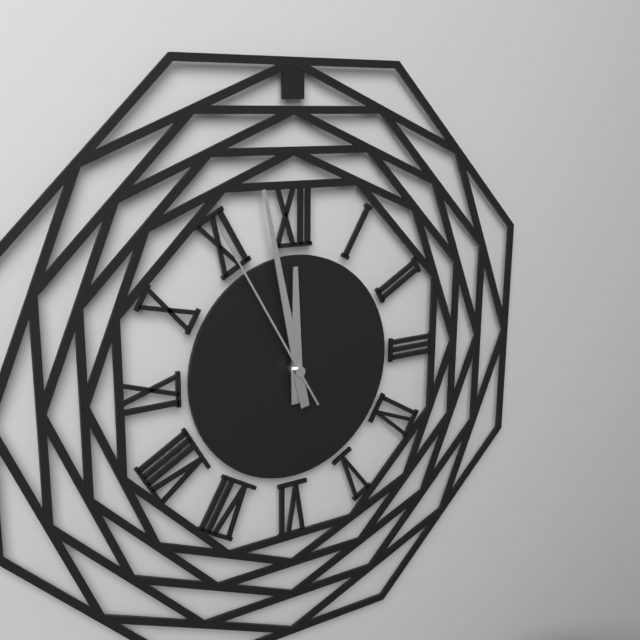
11:58:55
